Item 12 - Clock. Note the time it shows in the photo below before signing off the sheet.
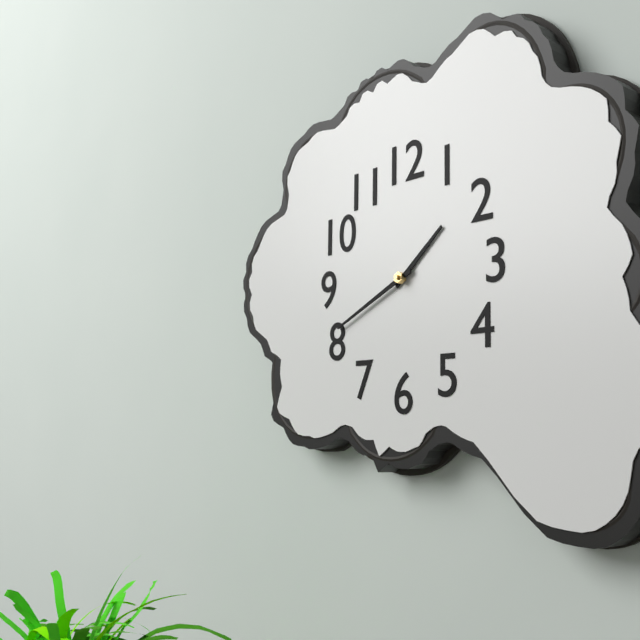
1:41
